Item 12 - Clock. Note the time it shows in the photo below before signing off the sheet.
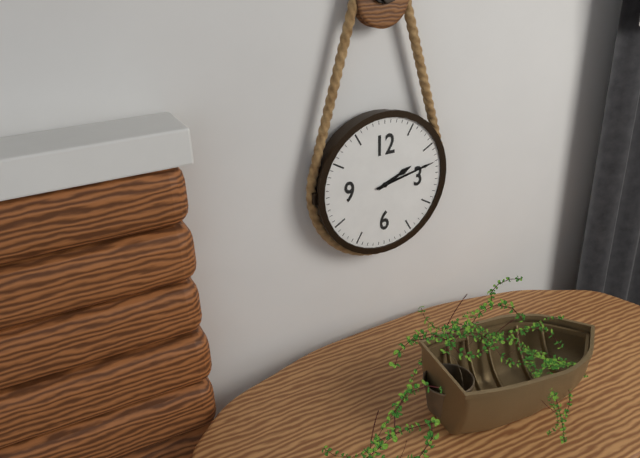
2:13
